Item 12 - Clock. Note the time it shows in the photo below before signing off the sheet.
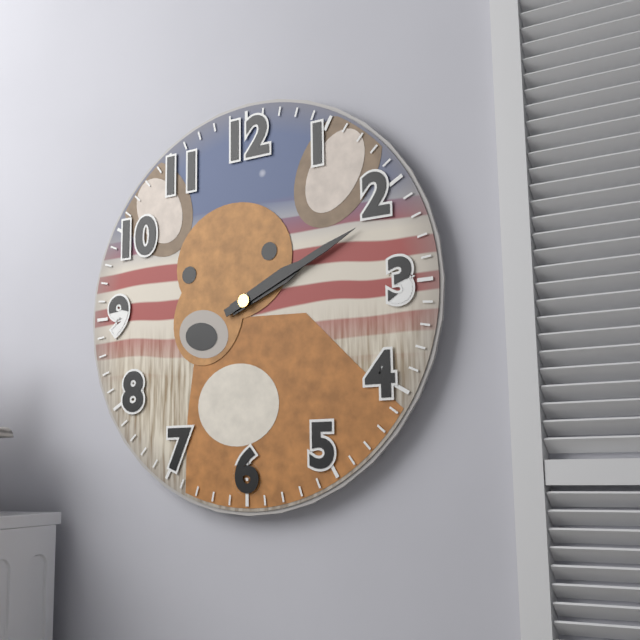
2:11
